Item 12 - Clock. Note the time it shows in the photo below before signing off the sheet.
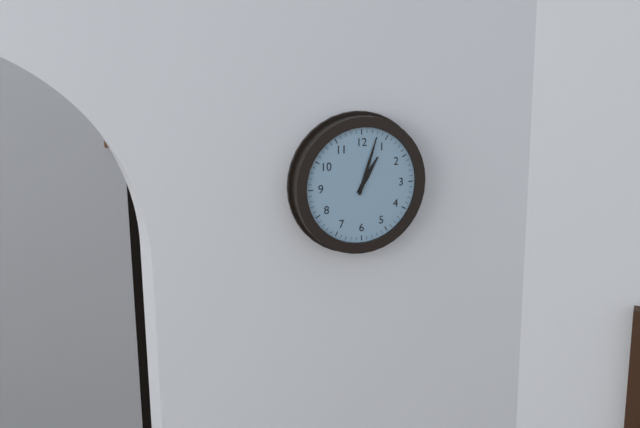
1:03
